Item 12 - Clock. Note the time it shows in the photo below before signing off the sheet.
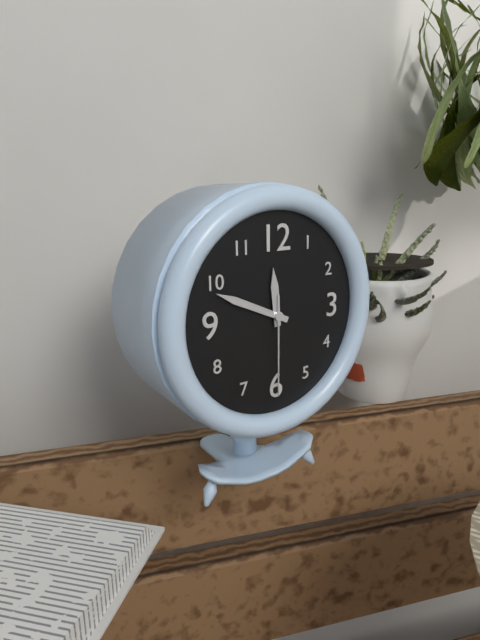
11:49:30
